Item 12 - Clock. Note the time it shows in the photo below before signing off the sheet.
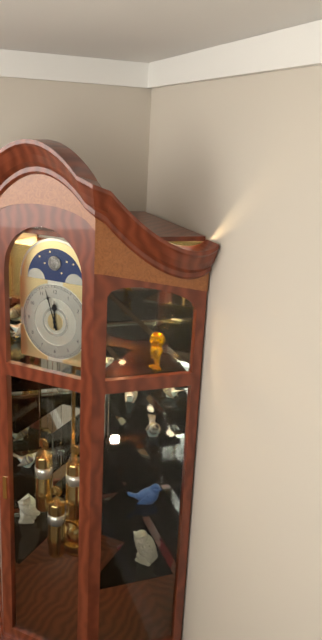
11:57
